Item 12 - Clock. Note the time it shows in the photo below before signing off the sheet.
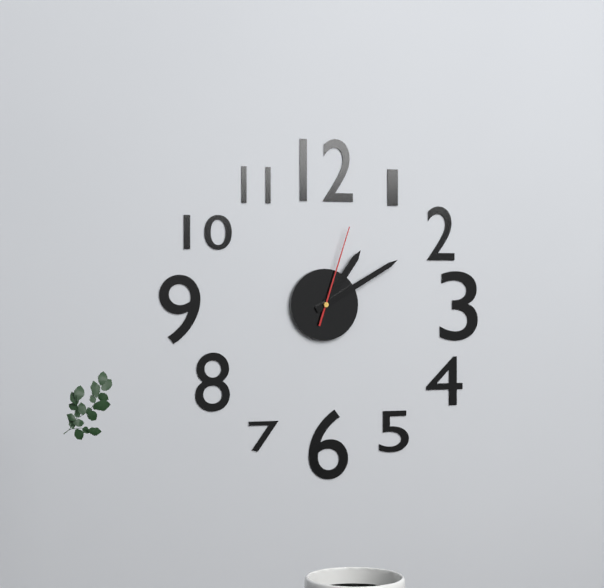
1:10:03
